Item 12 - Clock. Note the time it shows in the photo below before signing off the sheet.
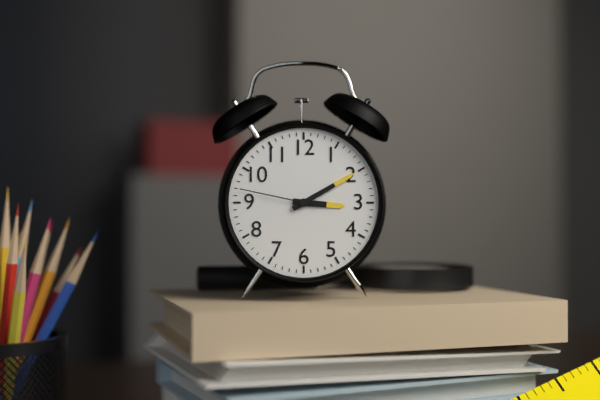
3:10:47
